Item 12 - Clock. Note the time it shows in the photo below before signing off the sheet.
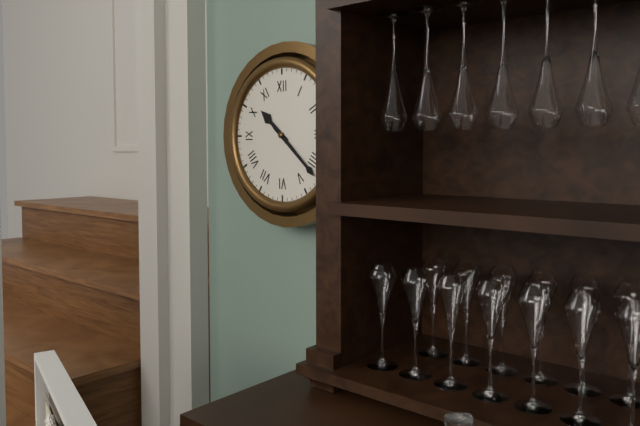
10:22
